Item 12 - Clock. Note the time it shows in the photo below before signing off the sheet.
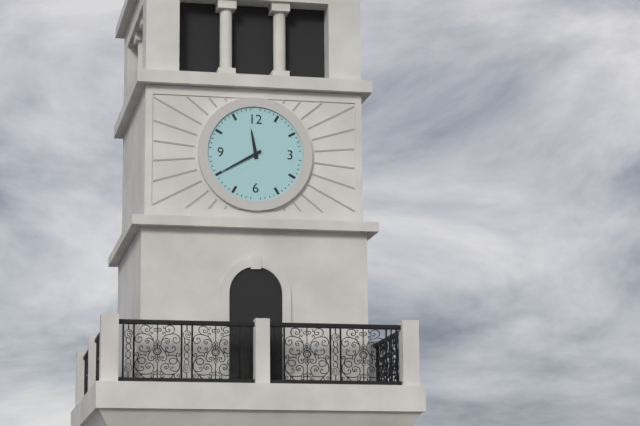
11:40
